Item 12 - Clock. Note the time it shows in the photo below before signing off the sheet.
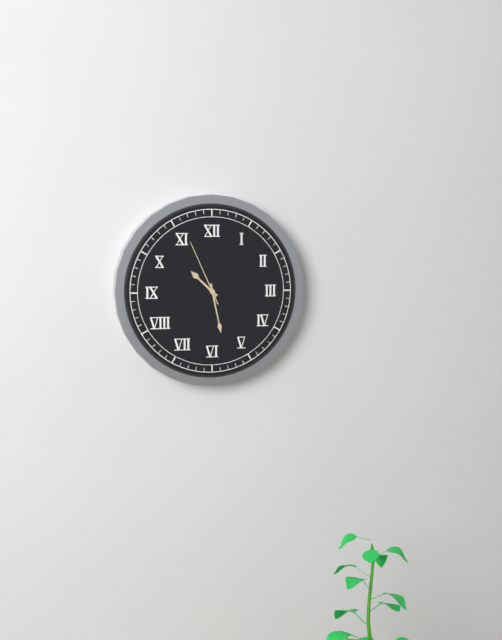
10:28:56
